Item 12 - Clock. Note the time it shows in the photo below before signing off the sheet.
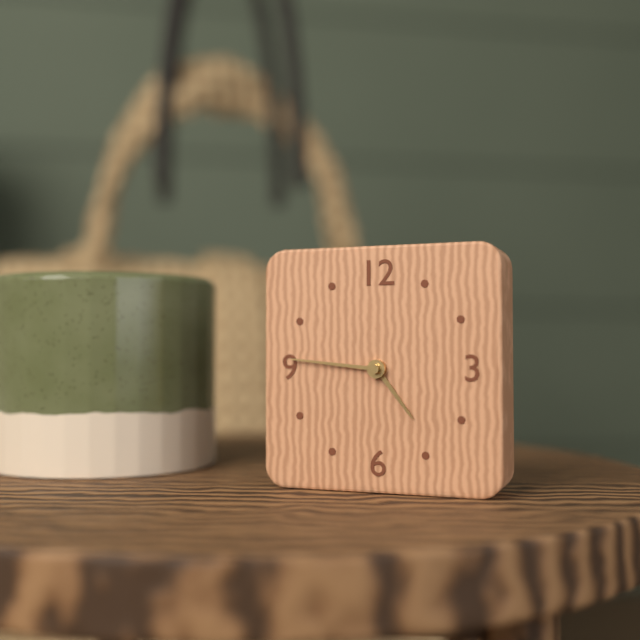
4:46
